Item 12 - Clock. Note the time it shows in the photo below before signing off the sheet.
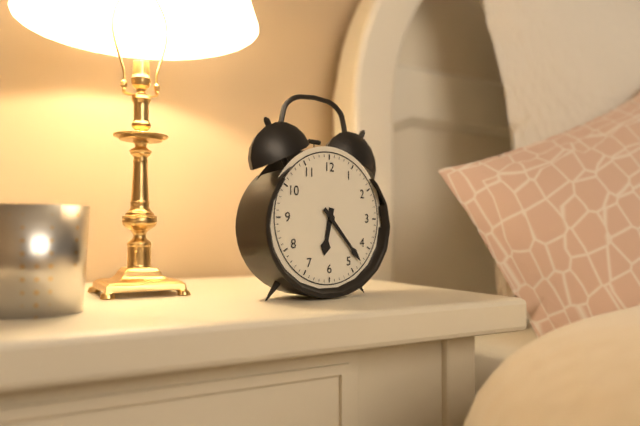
6:23
